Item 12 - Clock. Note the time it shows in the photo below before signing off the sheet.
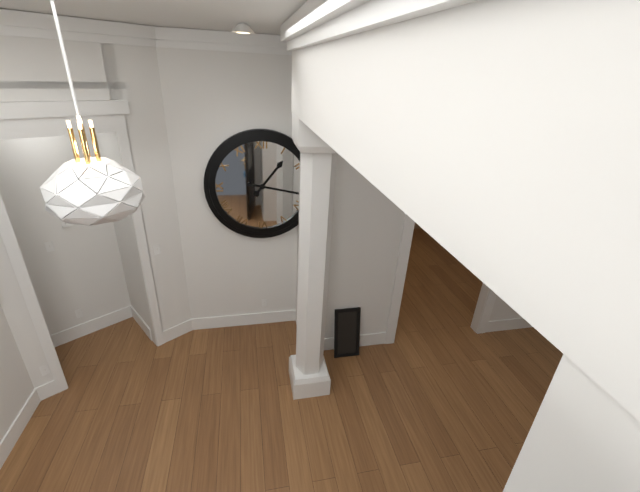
1:17
